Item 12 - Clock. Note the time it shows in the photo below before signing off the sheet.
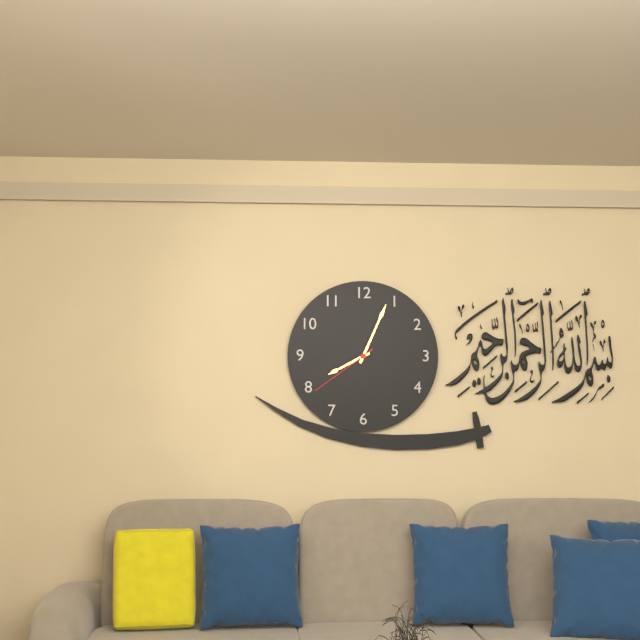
8:04:39
